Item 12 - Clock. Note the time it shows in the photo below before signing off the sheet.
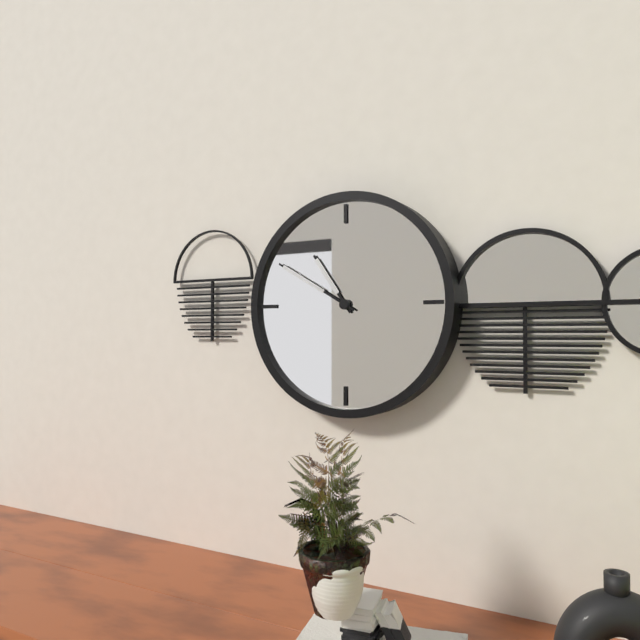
10:50
